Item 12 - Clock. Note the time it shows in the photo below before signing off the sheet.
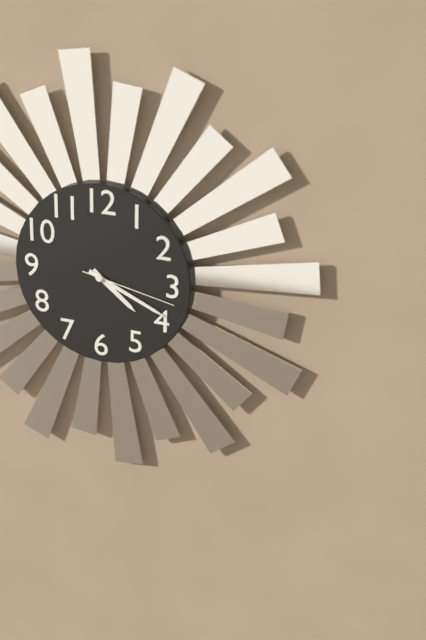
4:19:17
